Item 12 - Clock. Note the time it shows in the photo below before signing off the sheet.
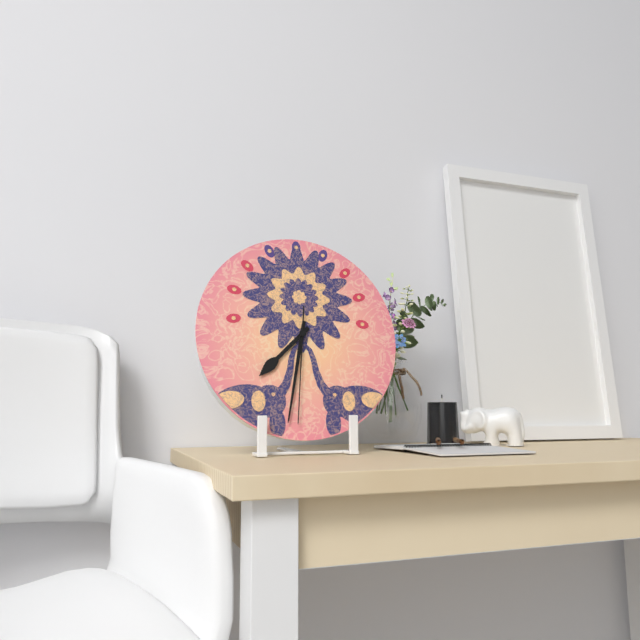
7:32:31
